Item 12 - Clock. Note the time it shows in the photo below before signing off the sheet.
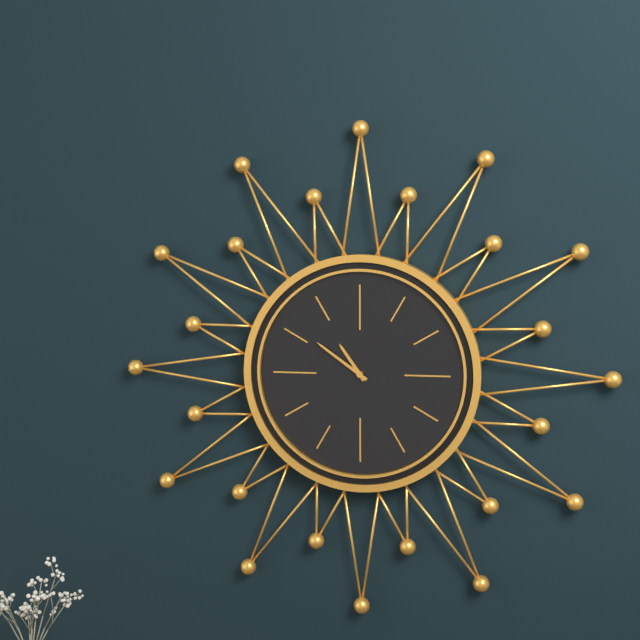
10:51
